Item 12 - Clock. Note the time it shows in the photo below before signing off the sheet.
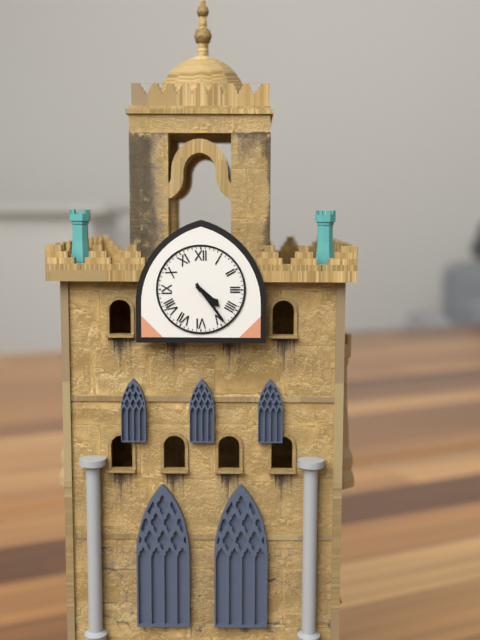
4:24
